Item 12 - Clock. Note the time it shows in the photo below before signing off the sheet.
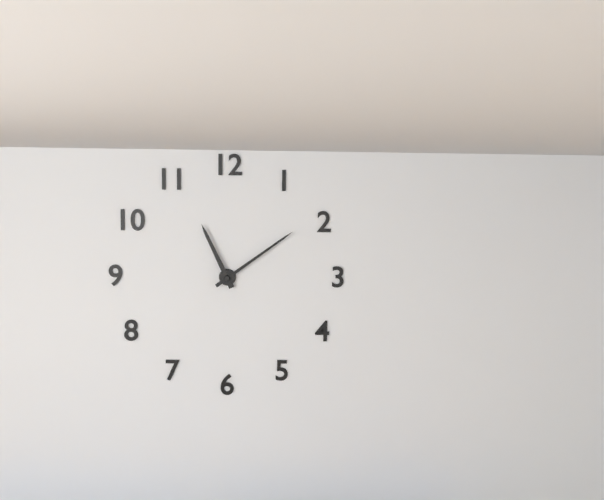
11:09
